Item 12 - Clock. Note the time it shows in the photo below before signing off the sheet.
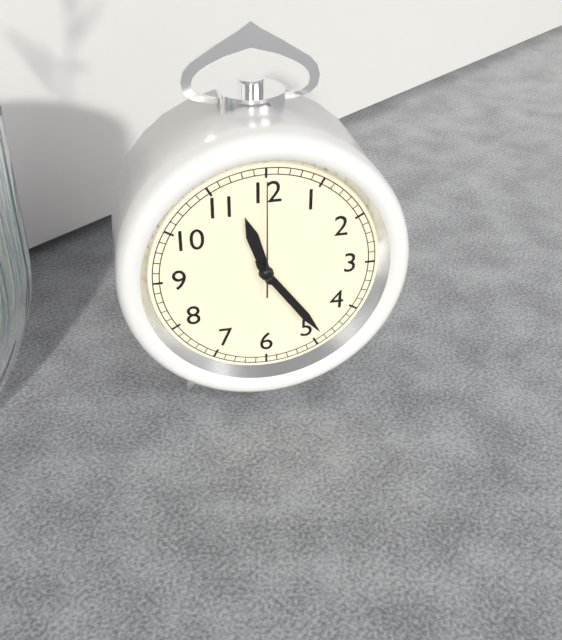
11:24:00
